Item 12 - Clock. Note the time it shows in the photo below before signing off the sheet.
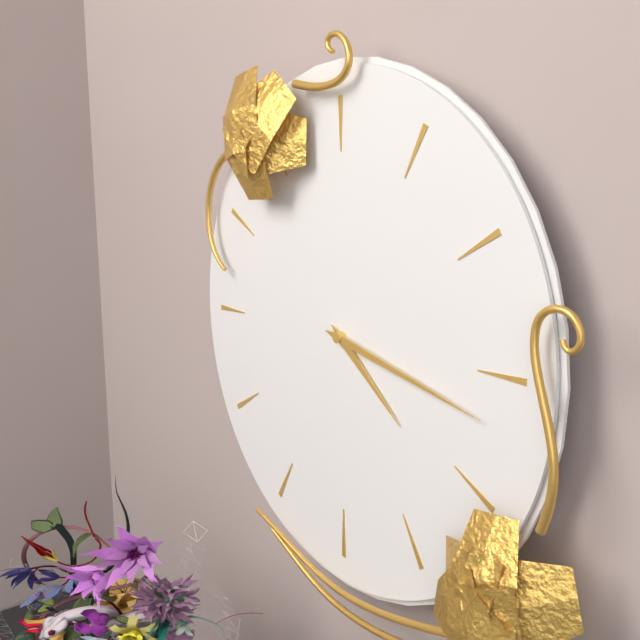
4:17
